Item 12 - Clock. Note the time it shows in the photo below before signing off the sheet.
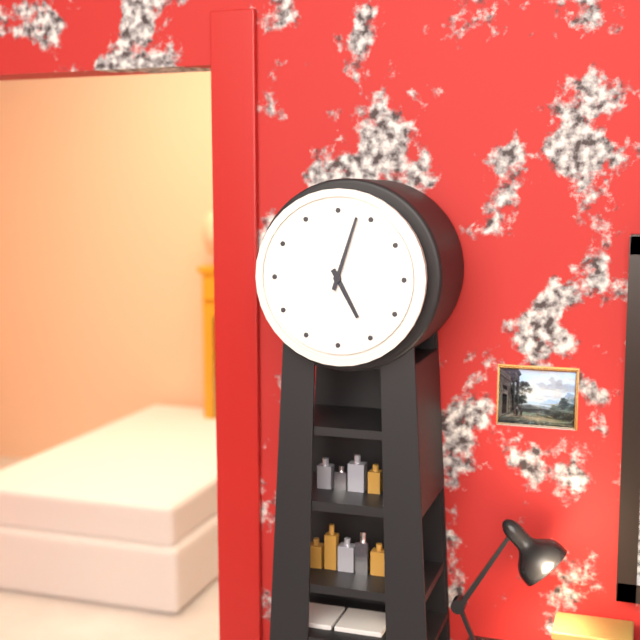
5:03
